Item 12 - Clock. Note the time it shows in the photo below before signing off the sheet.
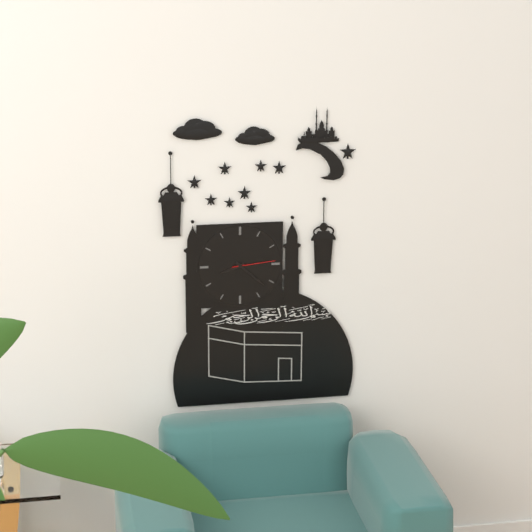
8:22
